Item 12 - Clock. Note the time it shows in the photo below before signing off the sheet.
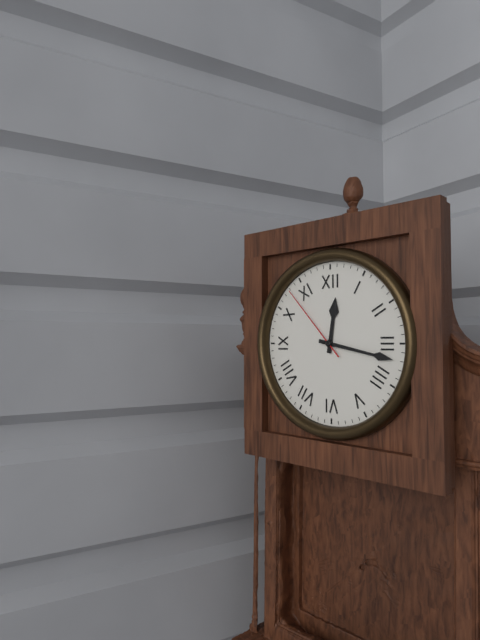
12:17:53
